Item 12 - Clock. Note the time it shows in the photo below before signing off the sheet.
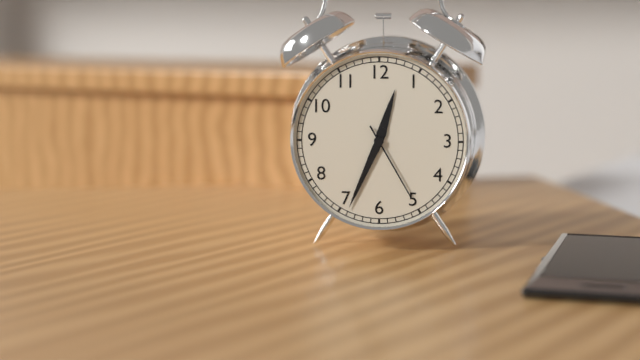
12:34:25
